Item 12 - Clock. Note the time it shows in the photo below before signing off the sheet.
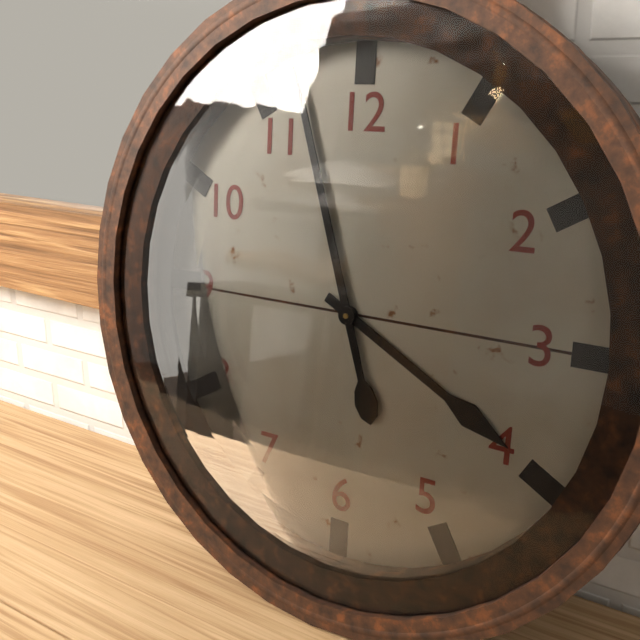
3:57
